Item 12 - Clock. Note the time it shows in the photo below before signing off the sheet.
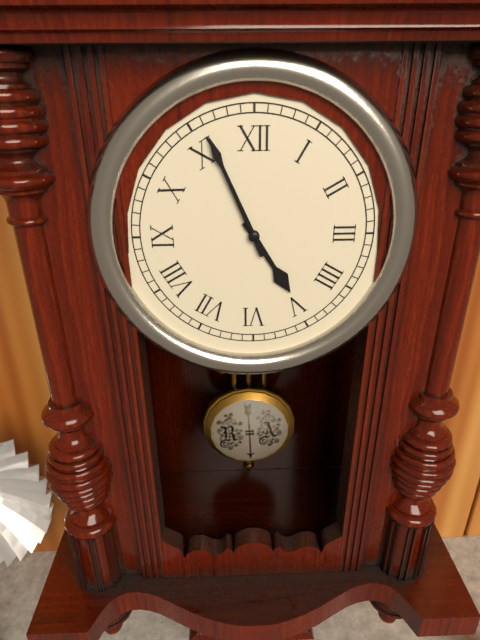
4:56
